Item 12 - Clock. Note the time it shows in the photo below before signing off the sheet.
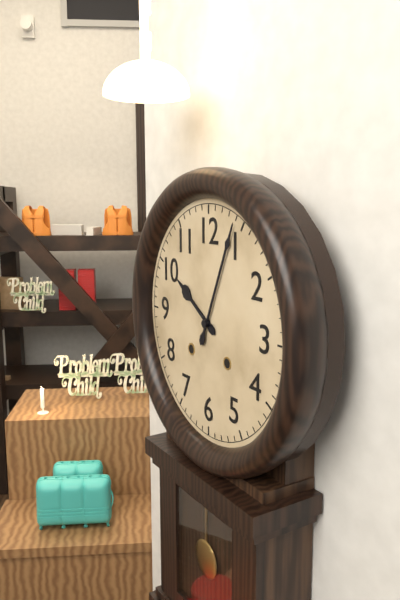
10:04
